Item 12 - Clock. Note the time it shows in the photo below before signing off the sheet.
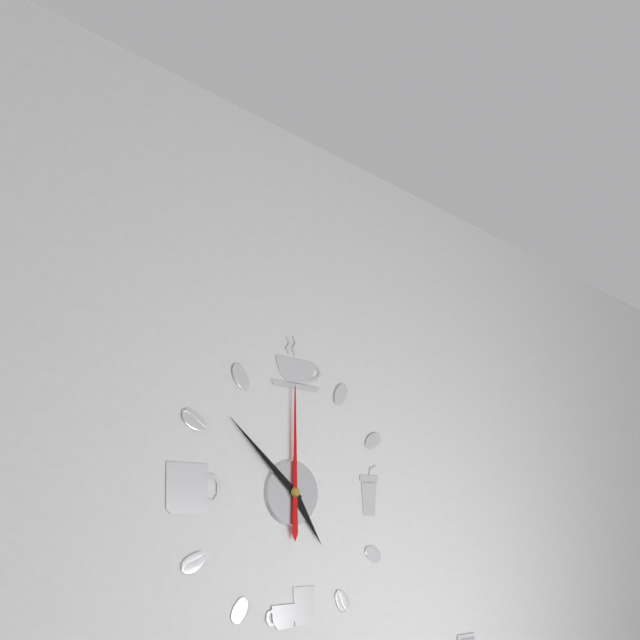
4:52:00
